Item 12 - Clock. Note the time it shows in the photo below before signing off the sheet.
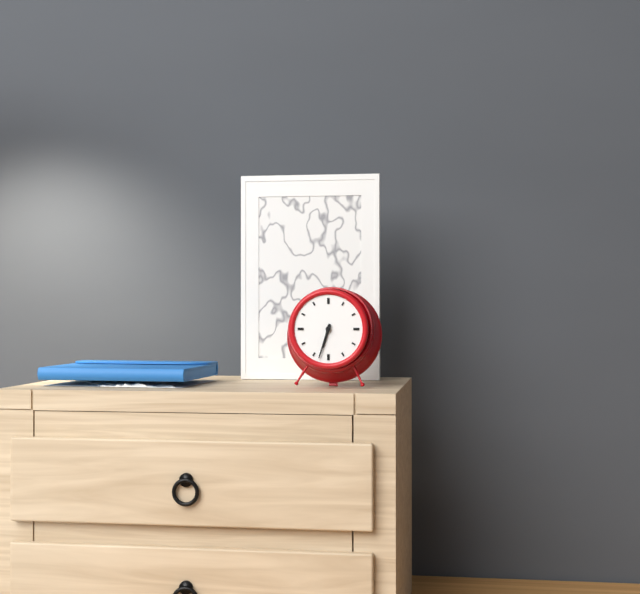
6:33
